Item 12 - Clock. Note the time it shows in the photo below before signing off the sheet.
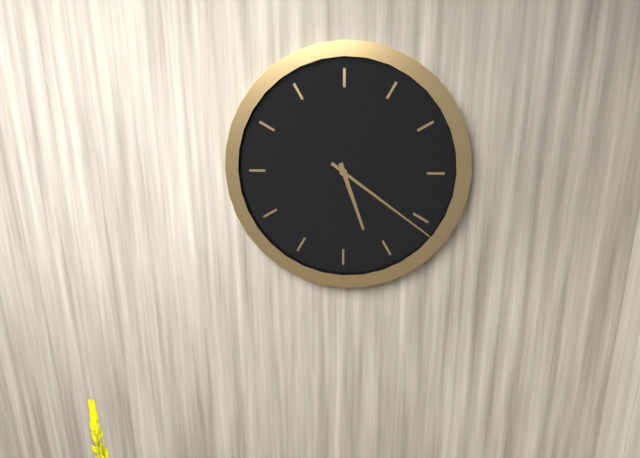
5:21
